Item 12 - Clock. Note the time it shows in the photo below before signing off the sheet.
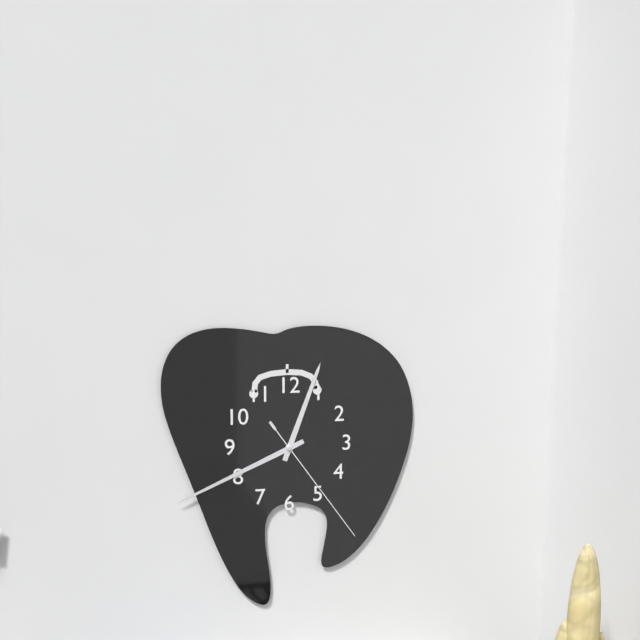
12:41:24
